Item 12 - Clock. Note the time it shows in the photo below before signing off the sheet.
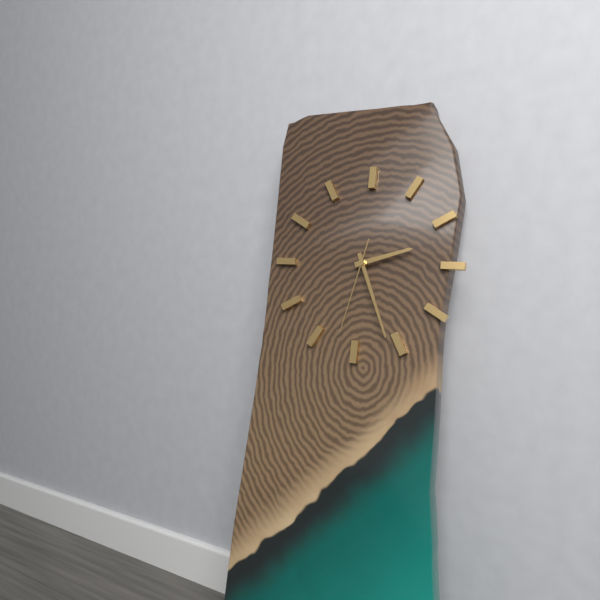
2:26:32
